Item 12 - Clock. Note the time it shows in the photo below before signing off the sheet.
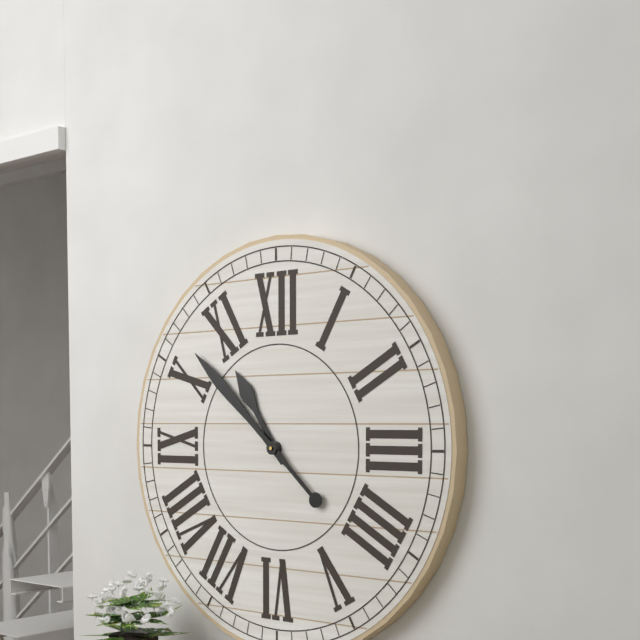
10:52
